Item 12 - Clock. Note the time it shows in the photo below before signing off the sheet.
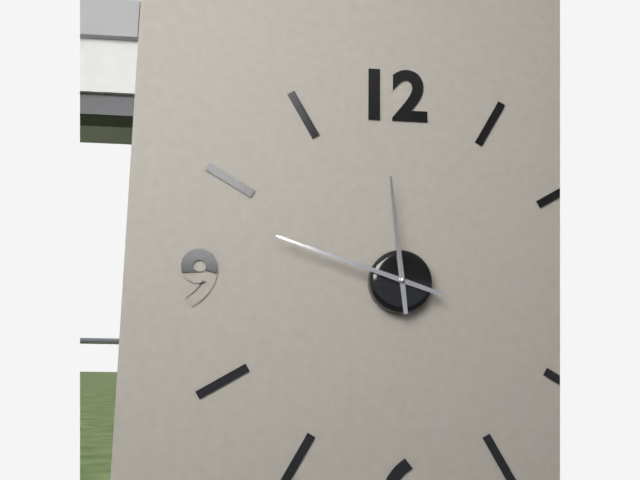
11:48
